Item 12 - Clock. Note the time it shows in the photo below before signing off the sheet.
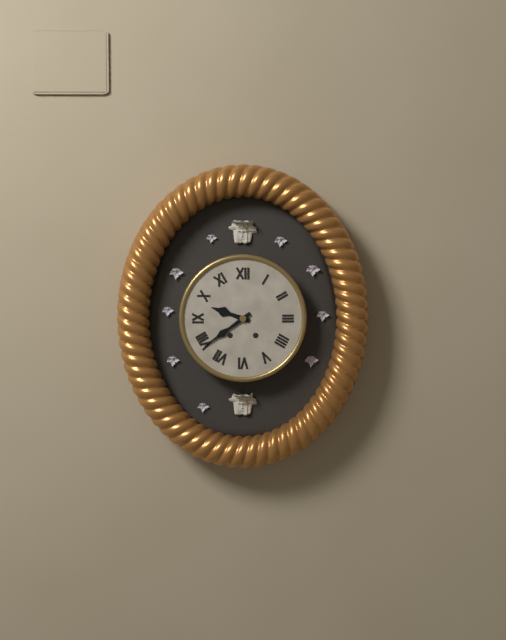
9:39
